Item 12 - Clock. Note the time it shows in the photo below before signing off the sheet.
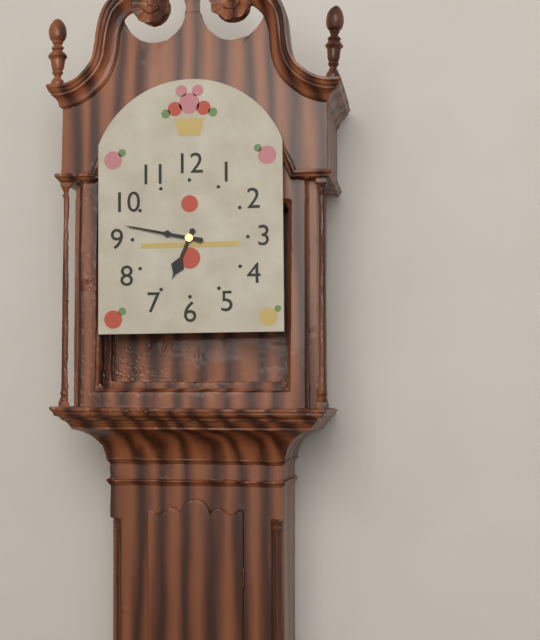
6:47
